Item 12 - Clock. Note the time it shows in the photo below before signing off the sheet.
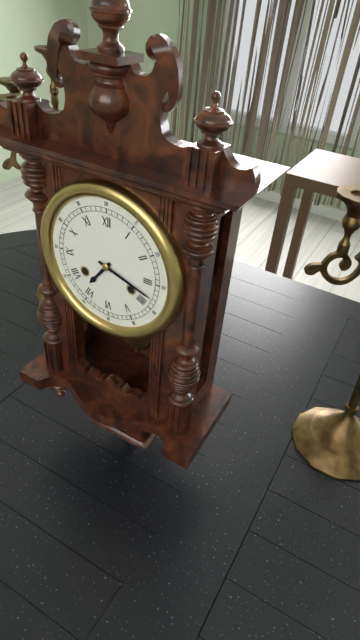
7:18
